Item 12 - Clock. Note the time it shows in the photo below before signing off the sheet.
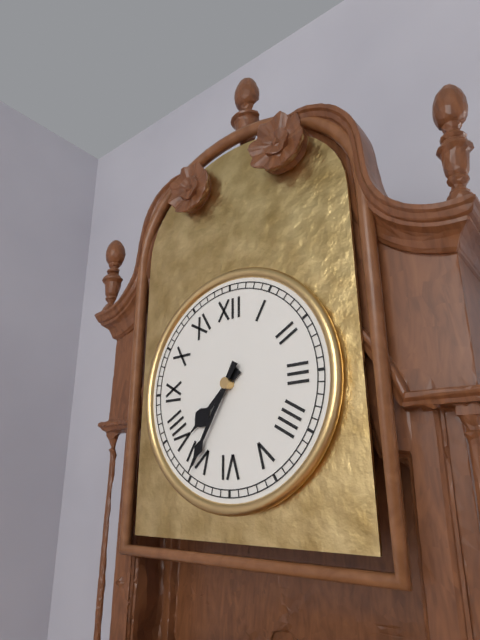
7:35
